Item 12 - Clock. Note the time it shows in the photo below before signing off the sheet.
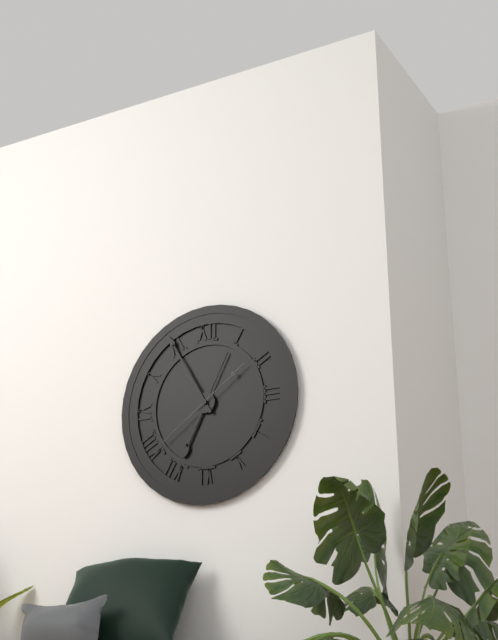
6:55:39
